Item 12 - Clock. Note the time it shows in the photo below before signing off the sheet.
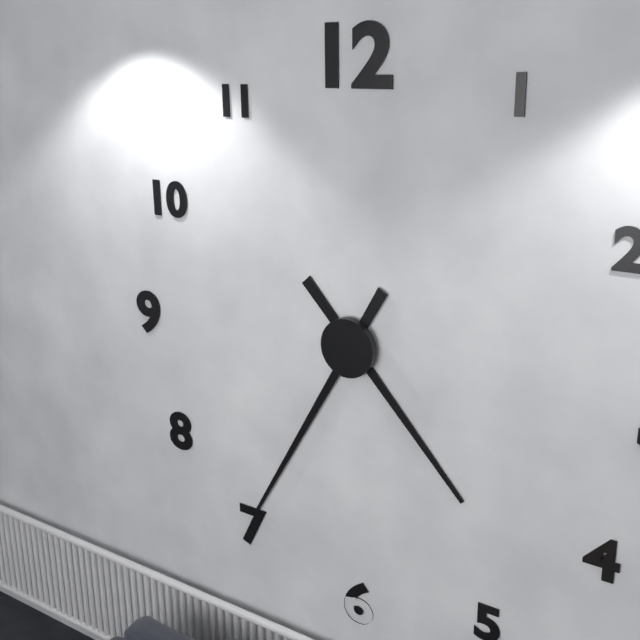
4:35
